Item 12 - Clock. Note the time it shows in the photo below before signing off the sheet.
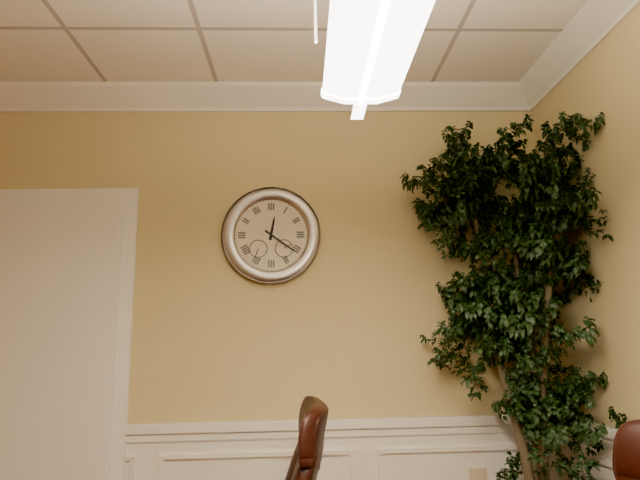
12:21
